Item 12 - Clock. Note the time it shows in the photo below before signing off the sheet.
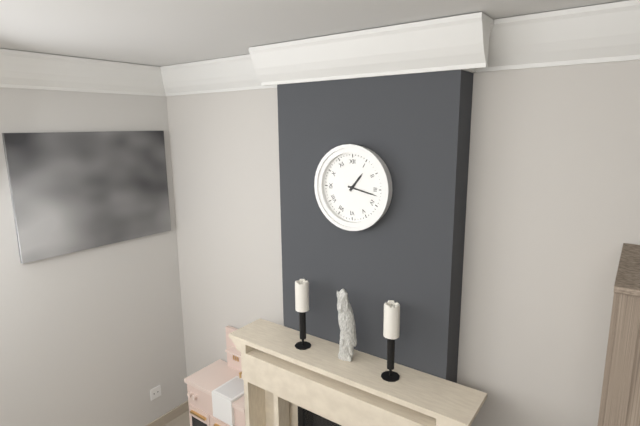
1:17
